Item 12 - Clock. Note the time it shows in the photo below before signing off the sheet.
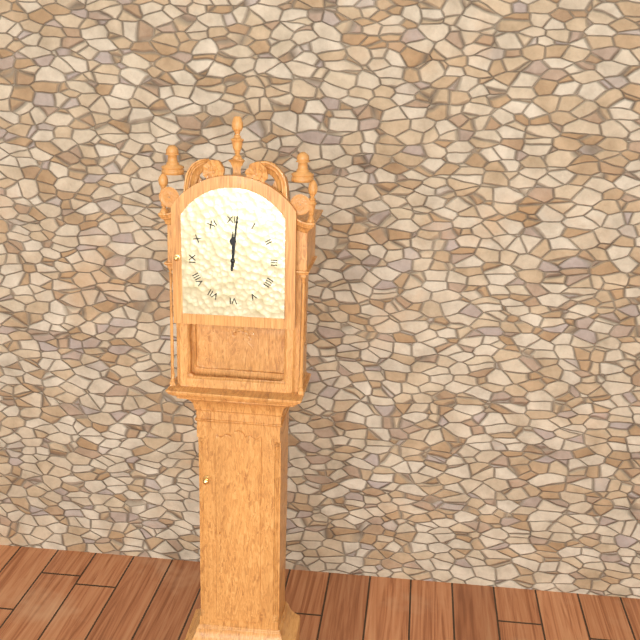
12:01
